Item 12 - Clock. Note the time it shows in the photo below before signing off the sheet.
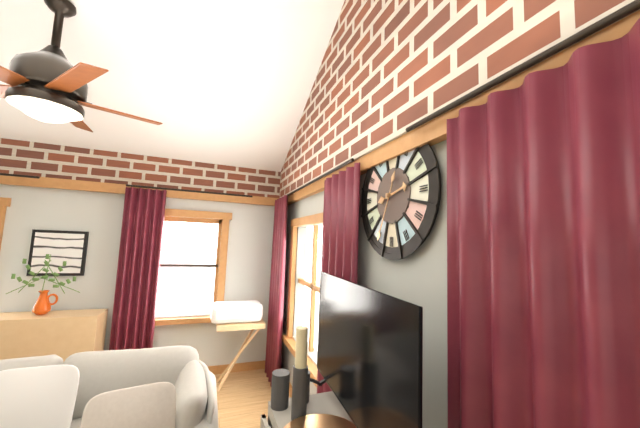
2:34
